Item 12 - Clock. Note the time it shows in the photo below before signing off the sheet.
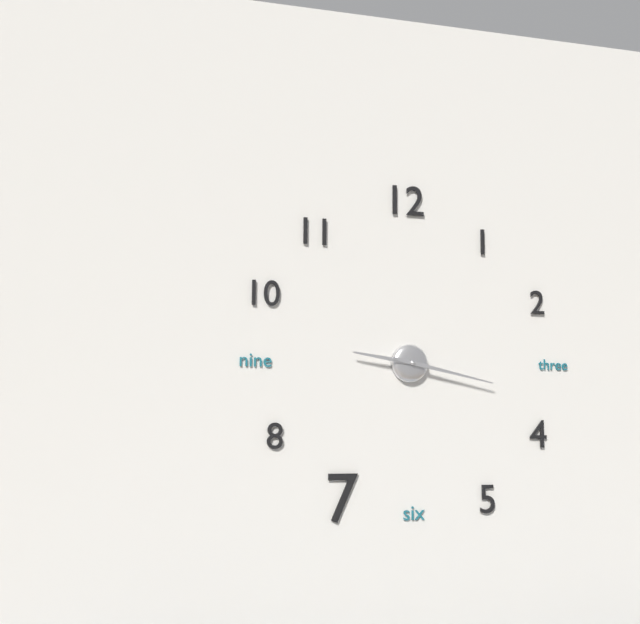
9:17
